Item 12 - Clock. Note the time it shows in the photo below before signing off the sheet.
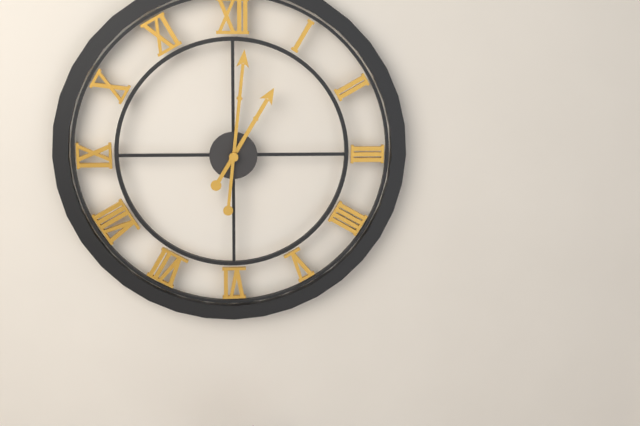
1:01
